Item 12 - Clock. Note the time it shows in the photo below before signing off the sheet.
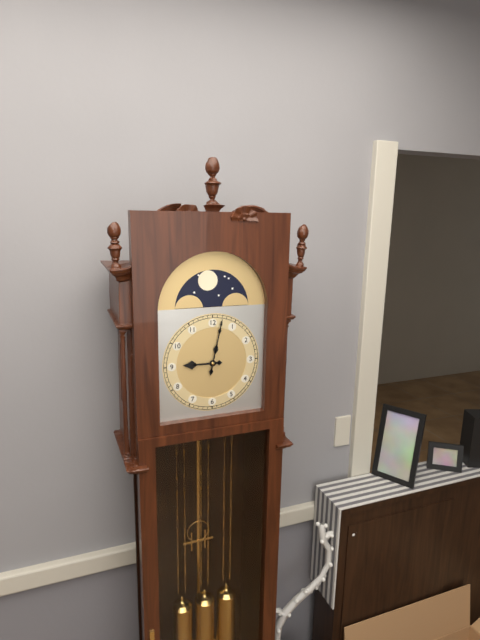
9:02
